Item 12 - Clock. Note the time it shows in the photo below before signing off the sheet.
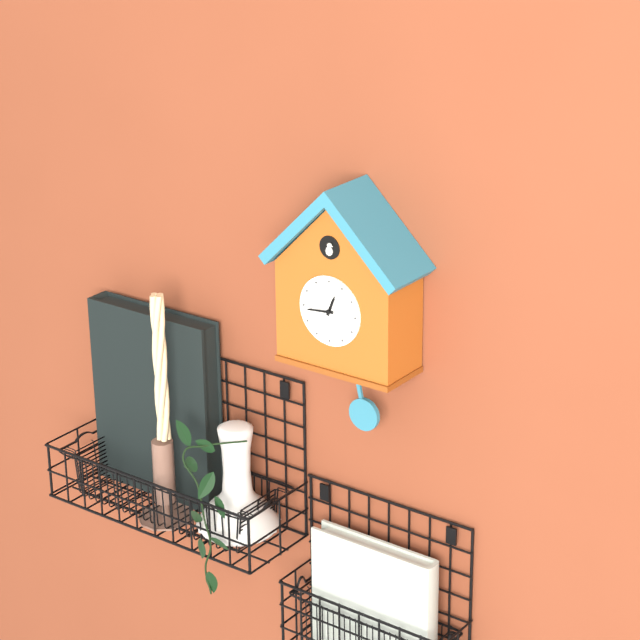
12:44
